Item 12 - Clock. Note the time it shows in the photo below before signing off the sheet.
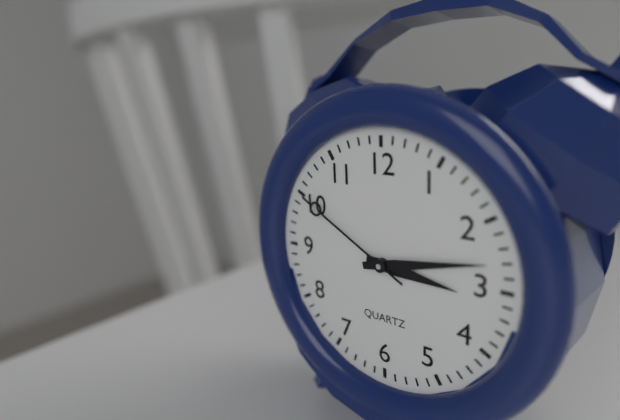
3:13:50
